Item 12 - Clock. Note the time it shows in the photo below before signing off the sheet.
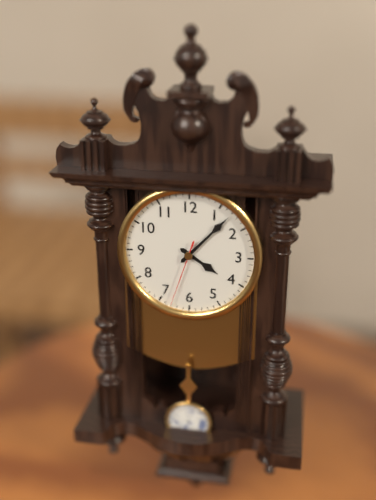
4:07:33
